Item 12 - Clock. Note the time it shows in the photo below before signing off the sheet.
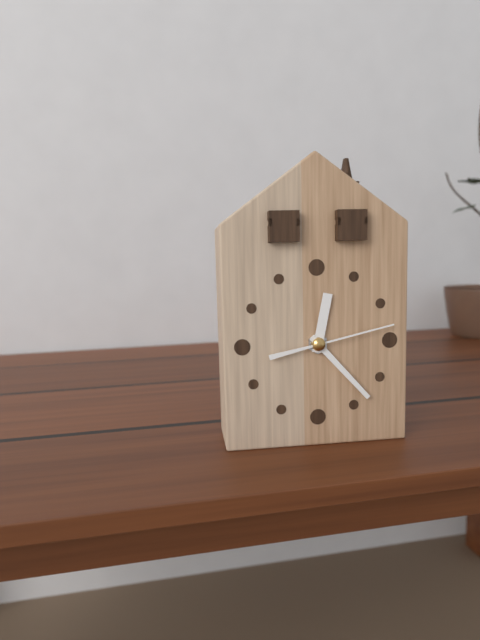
12:23:13
